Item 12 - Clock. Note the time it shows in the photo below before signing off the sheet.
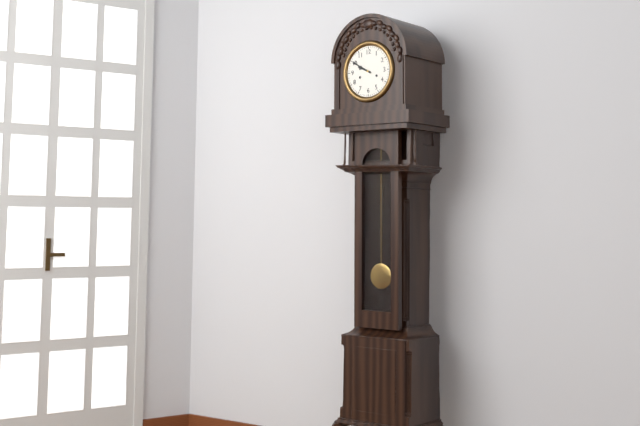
9:50
